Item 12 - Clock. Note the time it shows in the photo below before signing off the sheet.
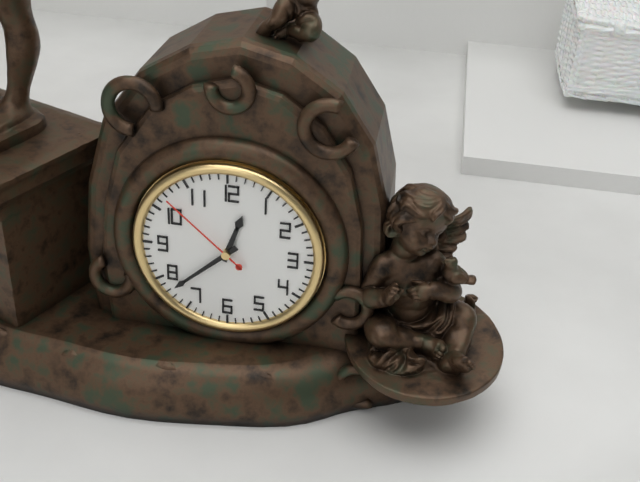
12:38:52
